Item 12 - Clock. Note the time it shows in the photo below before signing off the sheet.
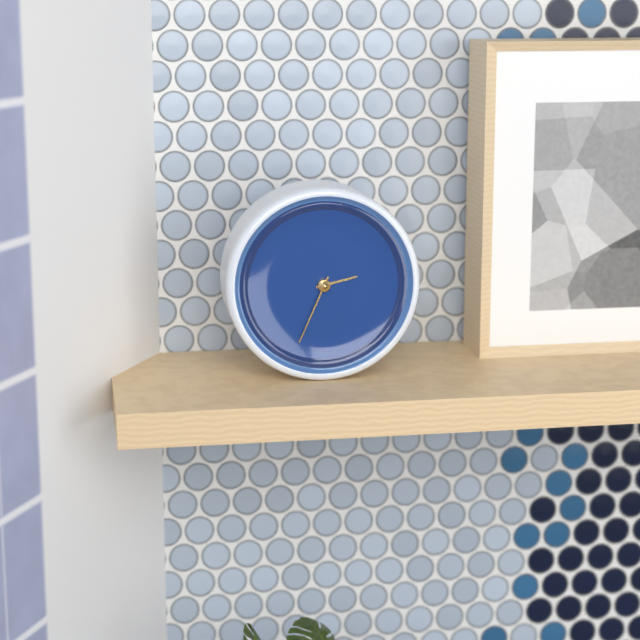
2:34
